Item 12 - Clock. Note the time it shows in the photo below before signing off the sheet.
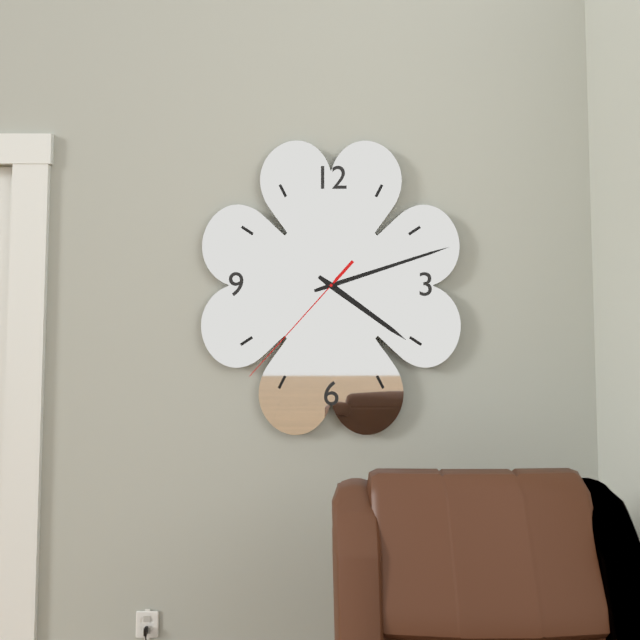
4:12:37
